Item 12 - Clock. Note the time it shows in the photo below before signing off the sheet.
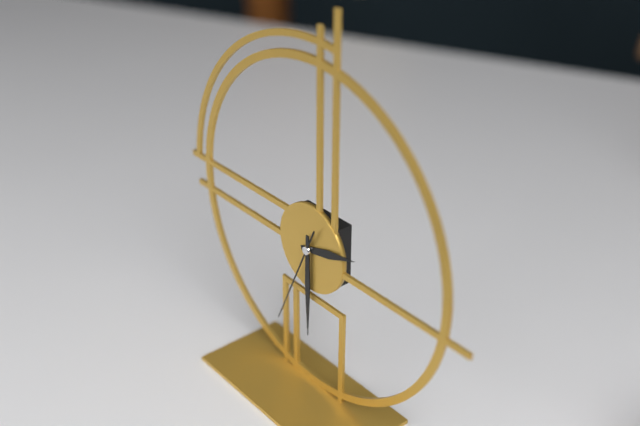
2:30:34
